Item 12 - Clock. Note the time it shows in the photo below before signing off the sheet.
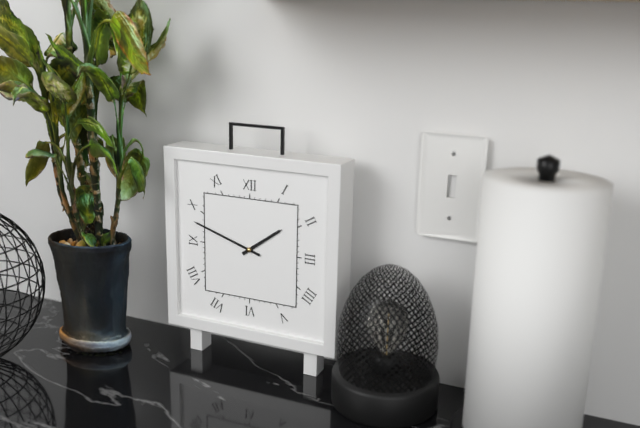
1:48
